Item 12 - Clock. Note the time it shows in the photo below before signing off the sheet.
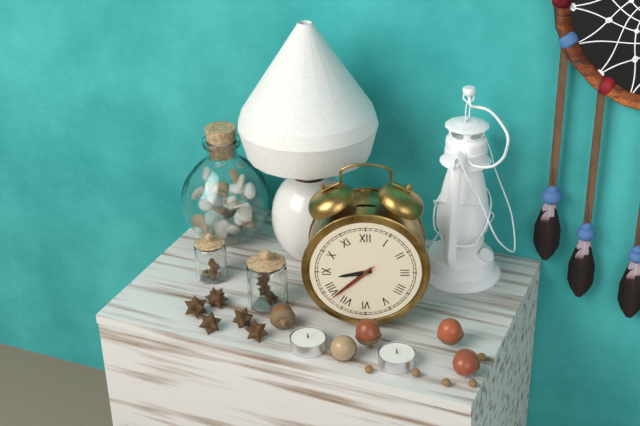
8:38:38
